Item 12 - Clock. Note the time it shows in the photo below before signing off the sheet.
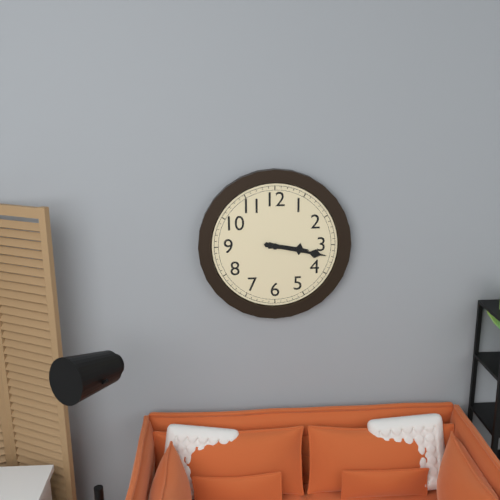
3:17
